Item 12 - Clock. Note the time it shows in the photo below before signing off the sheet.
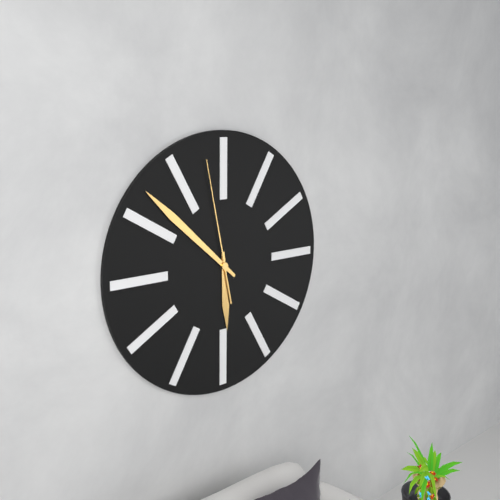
5:52:58
